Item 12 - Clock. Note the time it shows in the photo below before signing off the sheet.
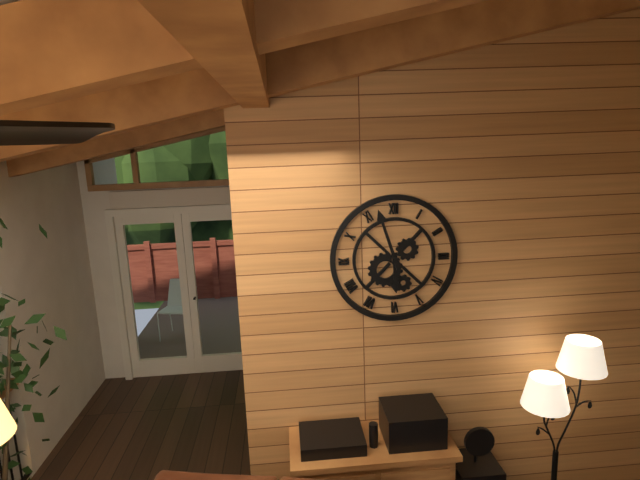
5:57
